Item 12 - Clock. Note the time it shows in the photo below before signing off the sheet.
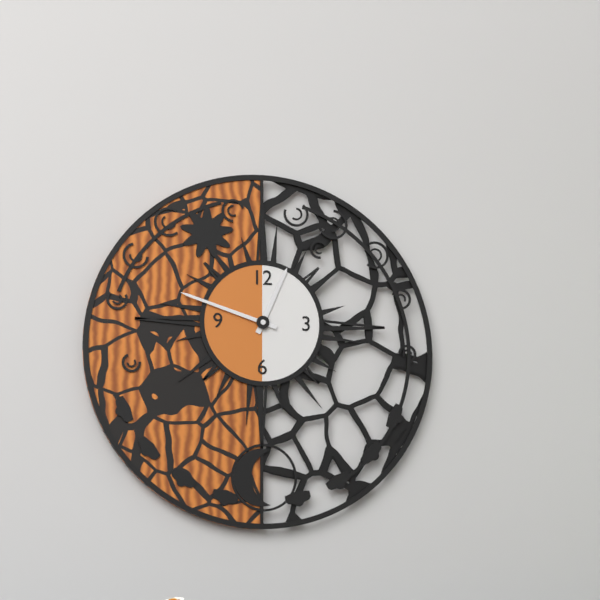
12:48
